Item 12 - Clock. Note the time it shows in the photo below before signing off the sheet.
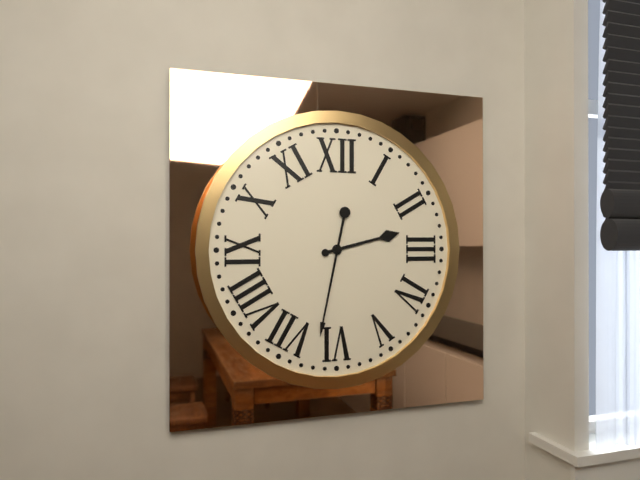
2:32
